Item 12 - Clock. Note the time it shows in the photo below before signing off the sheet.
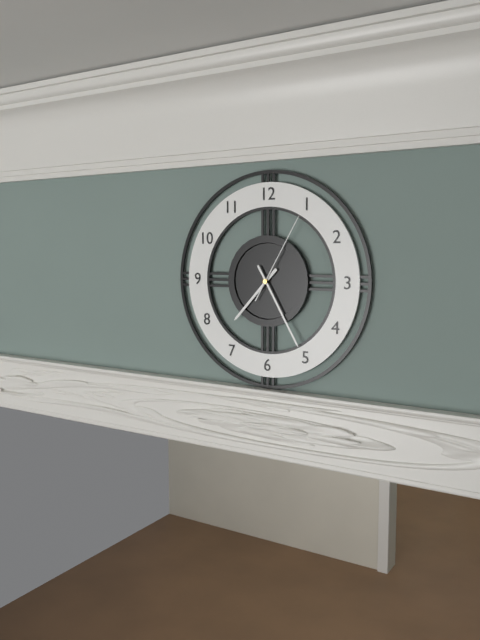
7:25:05
